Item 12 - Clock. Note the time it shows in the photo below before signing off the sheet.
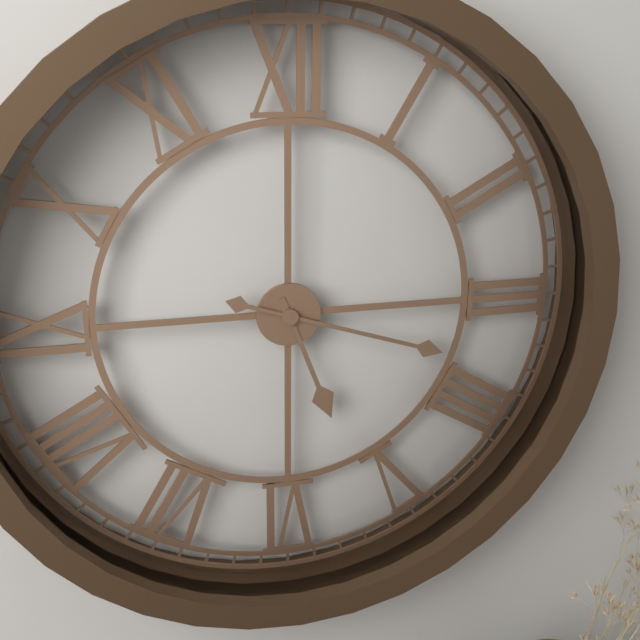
5:18
